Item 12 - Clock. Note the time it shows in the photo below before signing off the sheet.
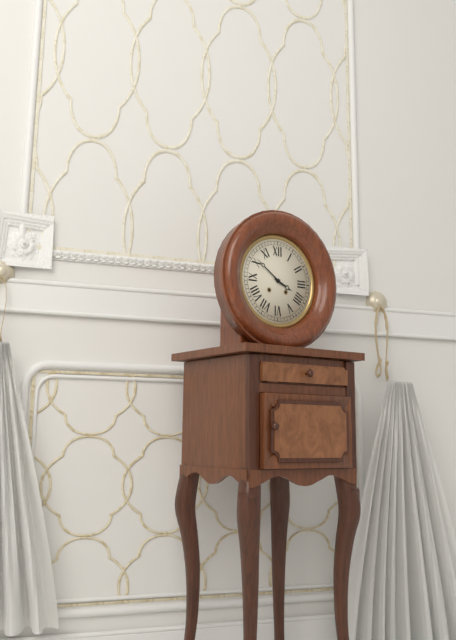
3:51
